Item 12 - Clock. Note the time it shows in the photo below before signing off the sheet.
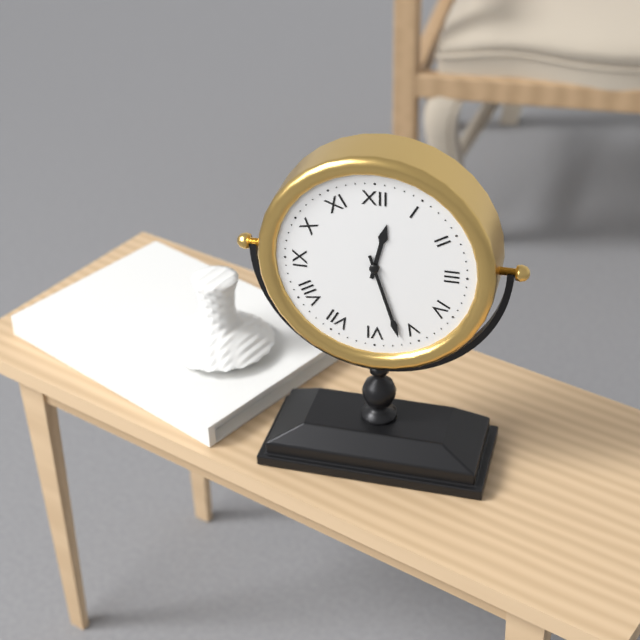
12:27
